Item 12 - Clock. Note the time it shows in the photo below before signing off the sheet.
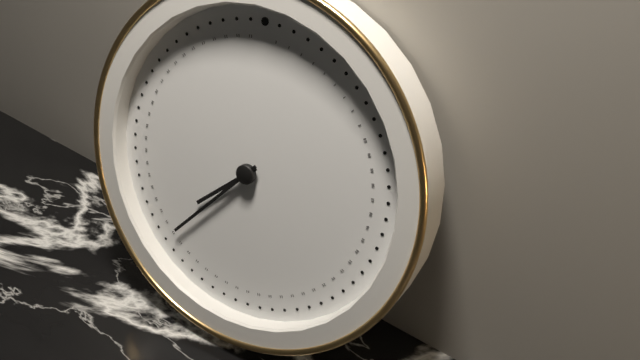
7:37
